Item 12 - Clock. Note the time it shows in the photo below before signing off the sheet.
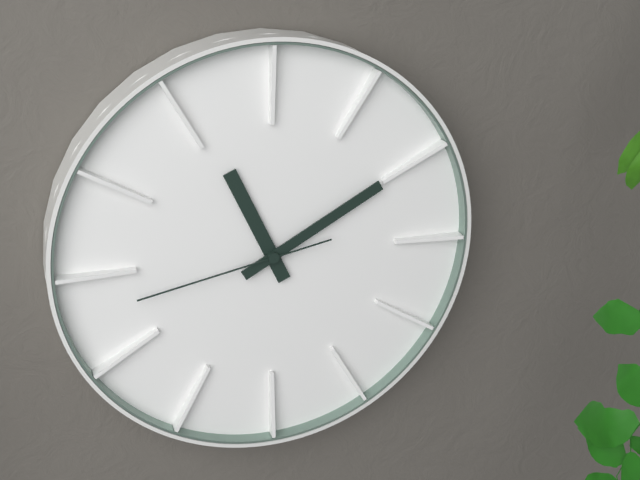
11:10:43
